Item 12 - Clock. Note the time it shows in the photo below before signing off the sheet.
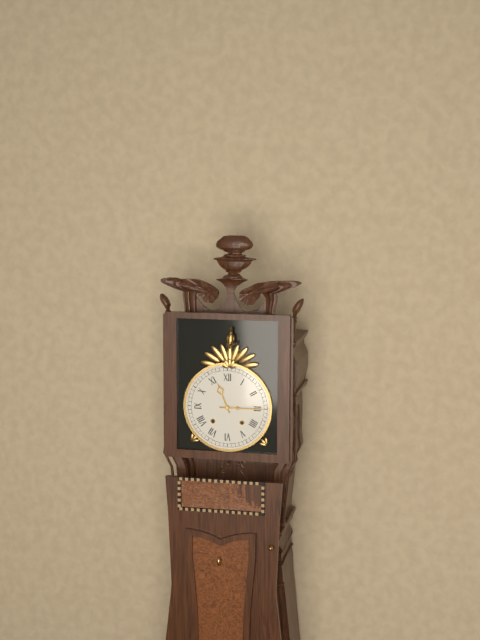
11:15
